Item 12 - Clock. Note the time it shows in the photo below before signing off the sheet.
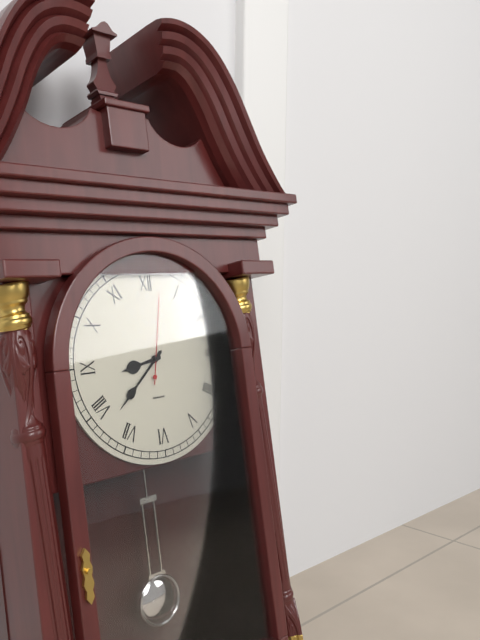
8:38:02
